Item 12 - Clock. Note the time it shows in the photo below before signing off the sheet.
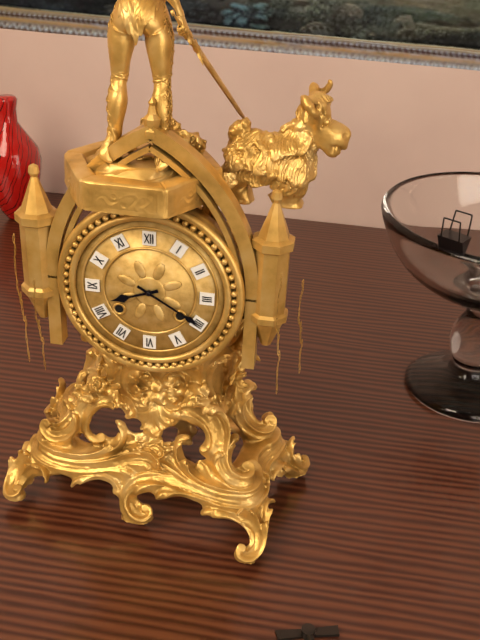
8:20
